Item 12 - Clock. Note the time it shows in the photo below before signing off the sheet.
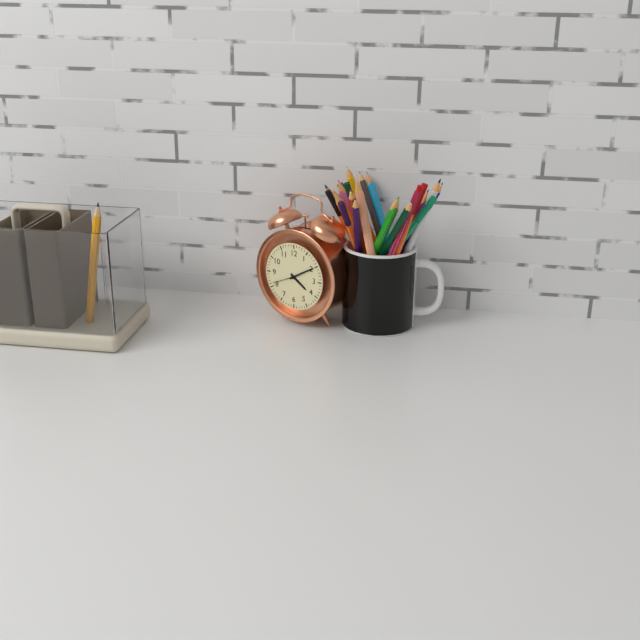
4:10
